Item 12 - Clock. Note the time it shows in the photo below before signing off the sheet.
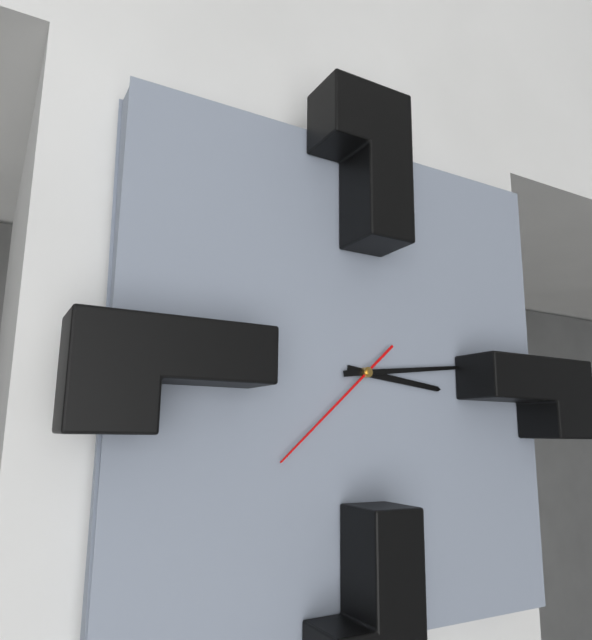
3:14:38
